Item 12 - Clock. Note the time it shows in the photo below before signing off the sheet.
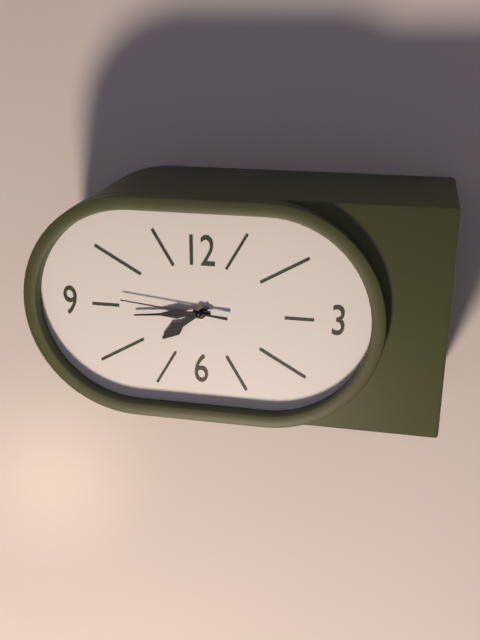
7:44:46
